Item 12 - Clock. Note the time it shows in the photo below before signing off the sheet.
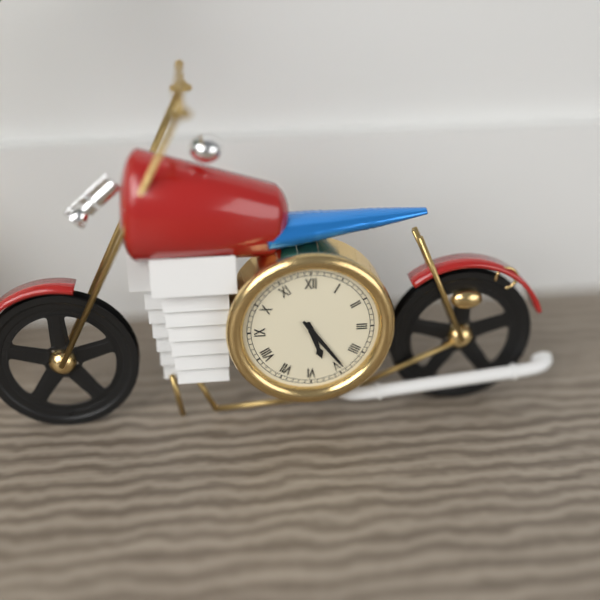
5:24
